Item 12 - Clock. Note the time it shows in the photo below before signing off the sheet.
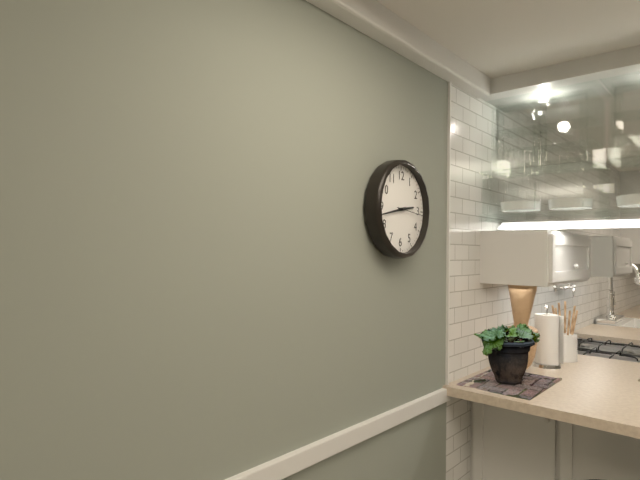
2:43
